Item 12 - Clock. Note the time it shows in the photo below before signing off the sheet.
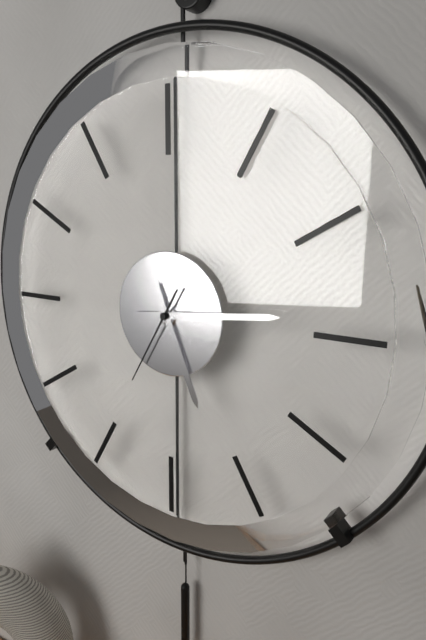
5:14:35
